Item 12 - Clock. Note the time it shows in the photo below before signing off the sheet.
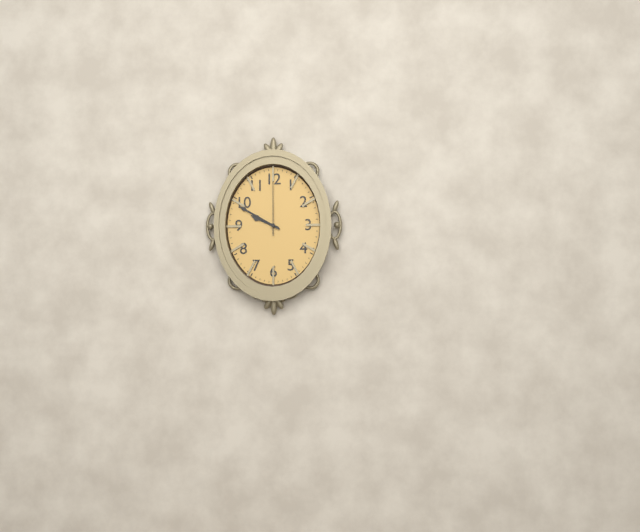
9:50:00
